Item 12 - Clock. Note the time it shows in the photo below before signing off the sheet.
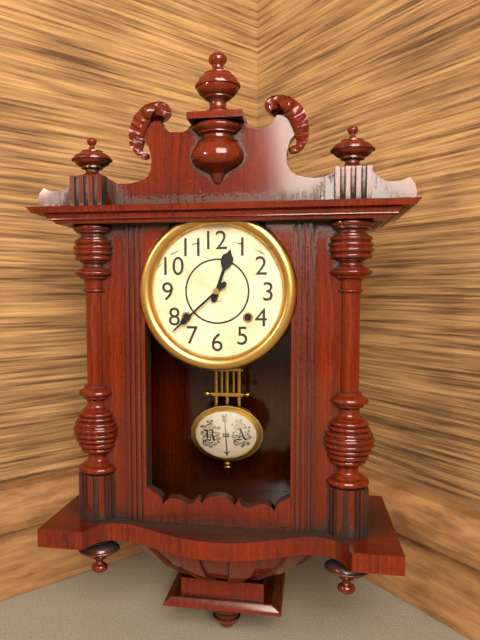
12:38
